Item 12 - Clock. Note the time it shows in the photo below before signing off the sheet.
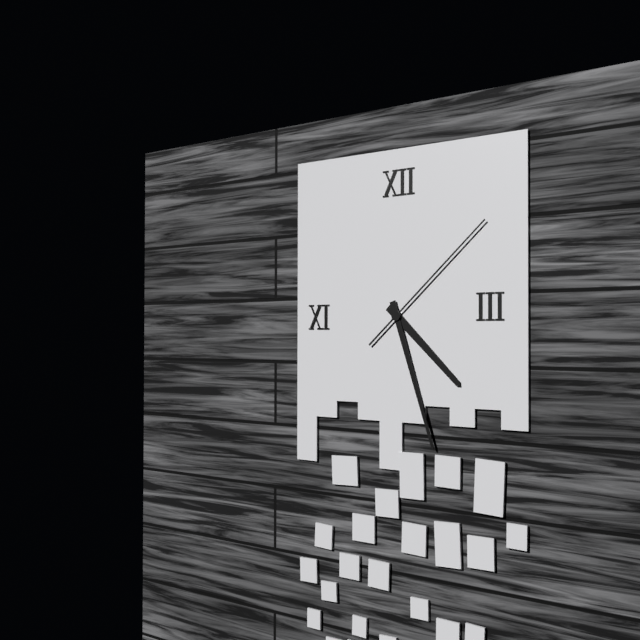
4:27:08
